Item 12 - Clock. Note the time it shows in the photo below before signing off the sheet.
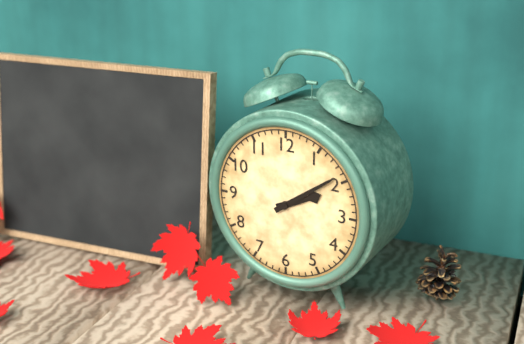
2:09
